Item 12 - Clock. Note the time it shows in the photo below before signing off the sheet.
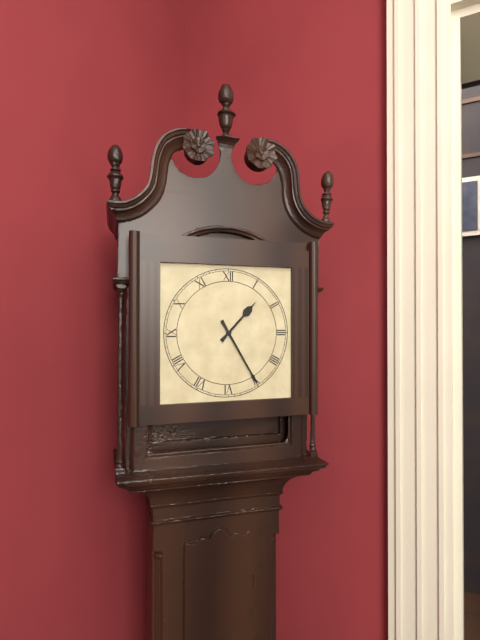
1:25
